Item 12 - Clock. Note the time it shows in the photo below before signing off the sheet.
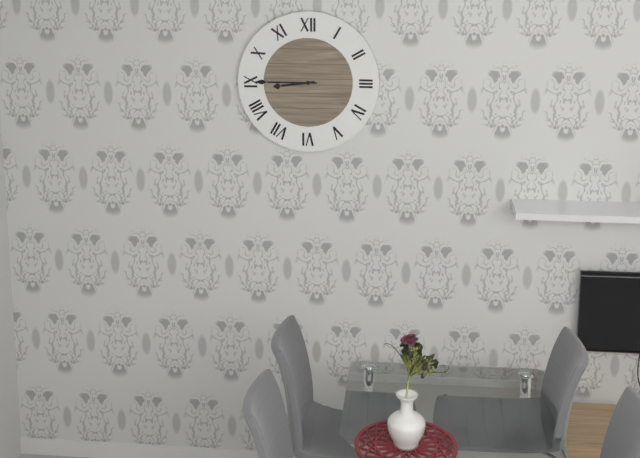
8:45
